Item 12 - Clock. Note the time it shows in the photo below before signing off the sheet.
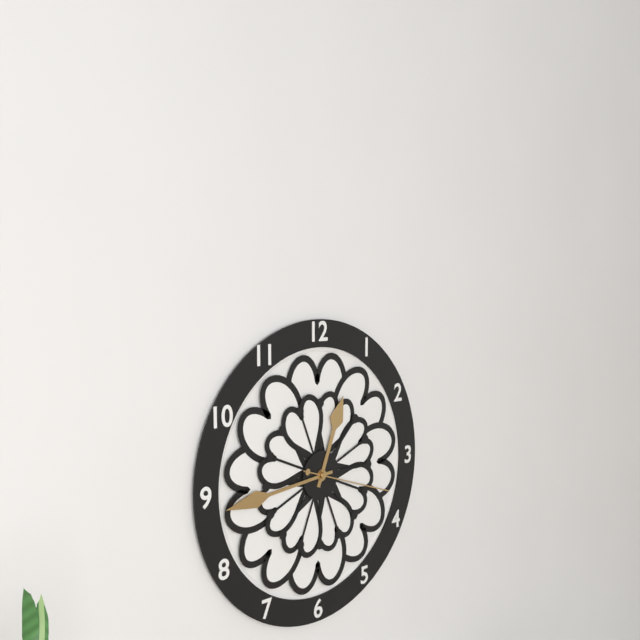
12:44:18
